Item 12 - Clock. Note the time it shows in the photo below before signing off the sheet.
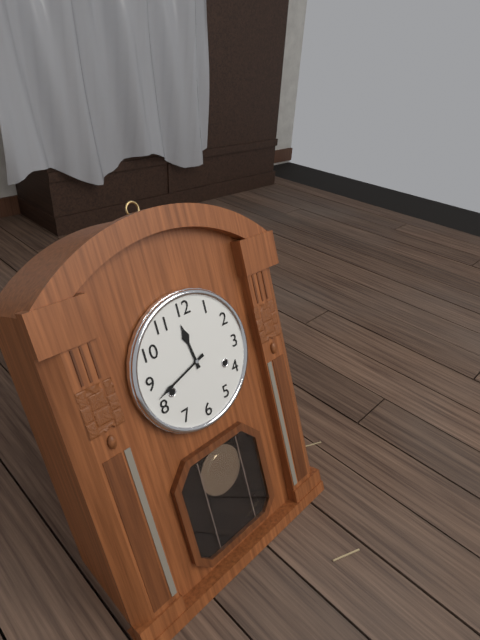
11:42
